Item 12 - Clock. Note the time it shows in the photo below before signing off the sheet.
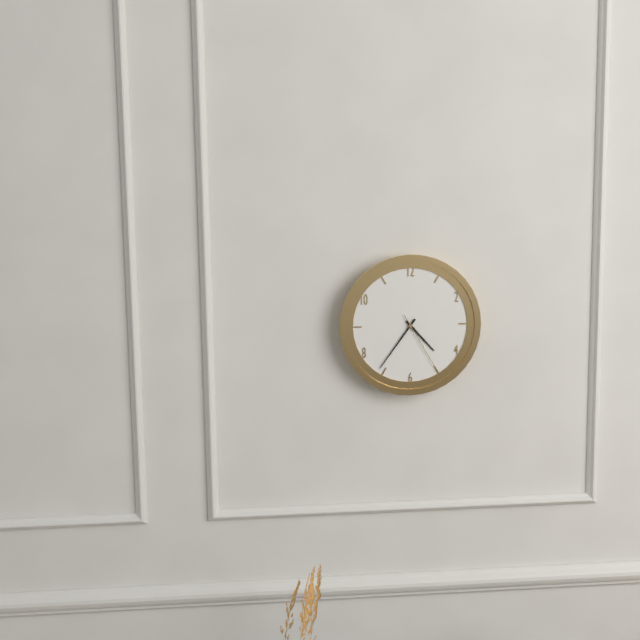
4:36:25
